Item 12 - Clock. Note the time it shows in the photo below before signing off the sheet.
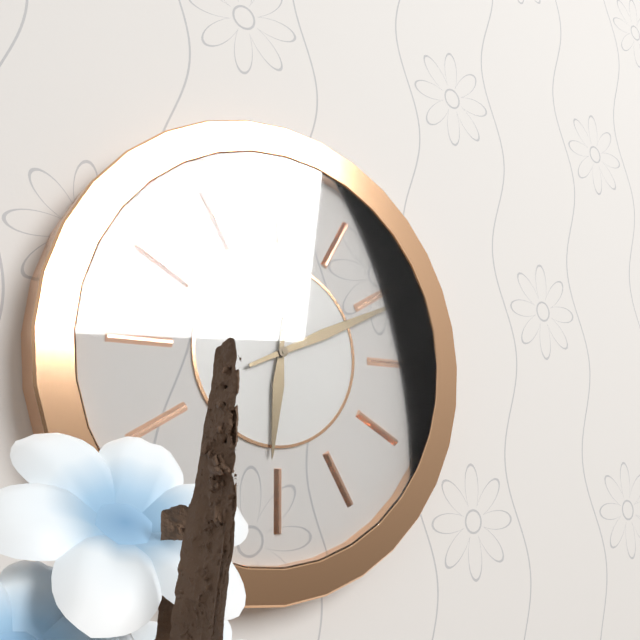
6:11
